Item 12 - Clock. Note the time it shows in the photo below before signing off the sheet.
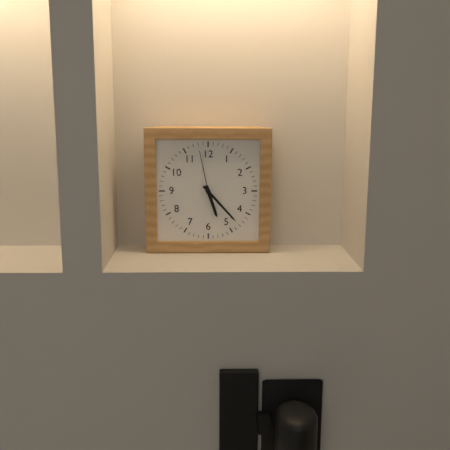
5:23:58
